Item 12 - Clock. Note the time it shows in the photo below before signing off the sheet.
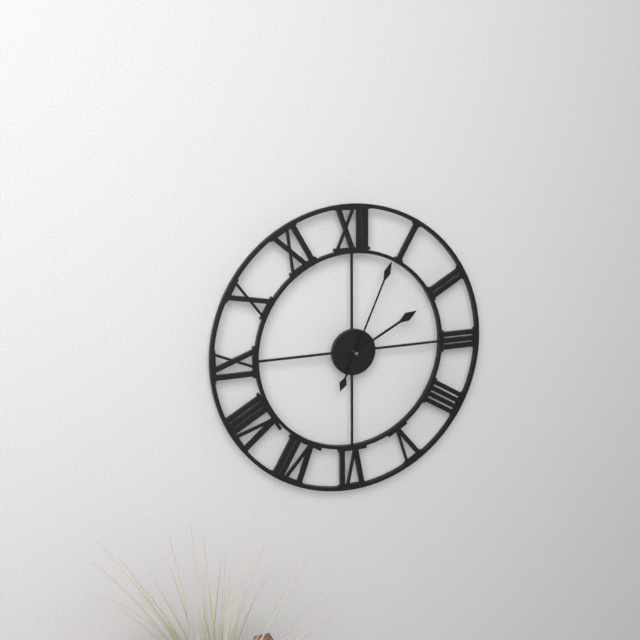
2:04
